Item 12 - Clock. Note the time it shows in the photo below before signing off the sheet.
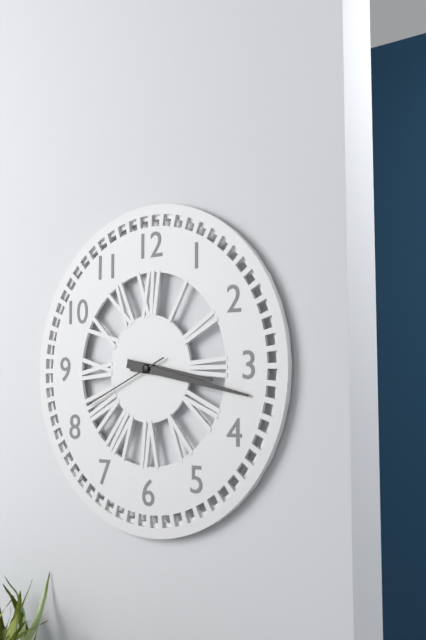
3:17:41
